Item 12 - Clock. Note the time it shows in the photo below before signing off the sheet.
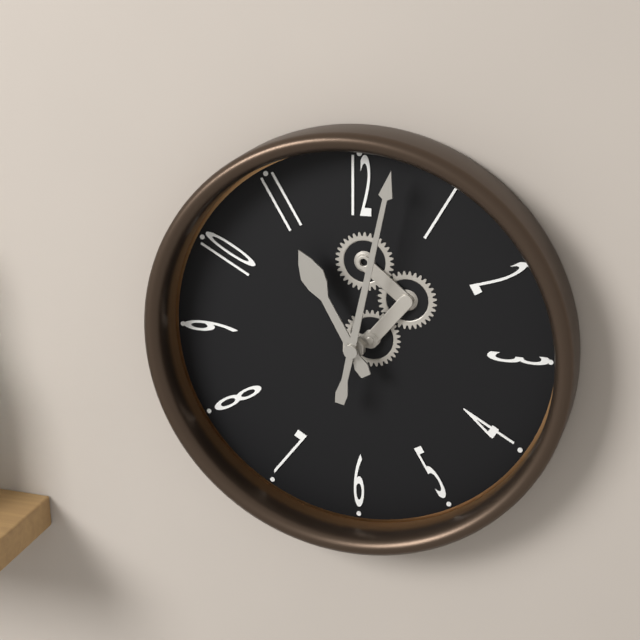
11:02
